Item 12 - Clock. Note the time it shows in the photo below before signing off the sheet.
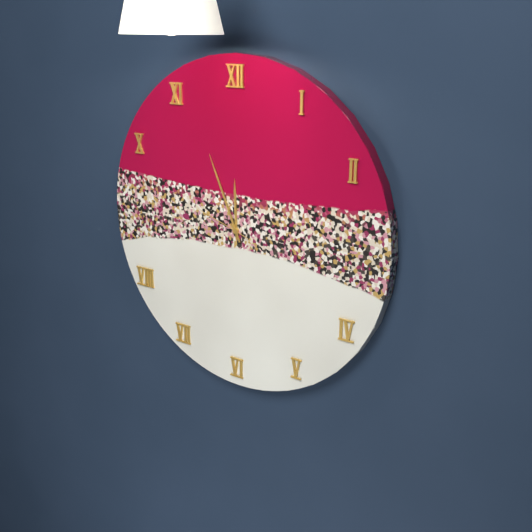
11:56:48
